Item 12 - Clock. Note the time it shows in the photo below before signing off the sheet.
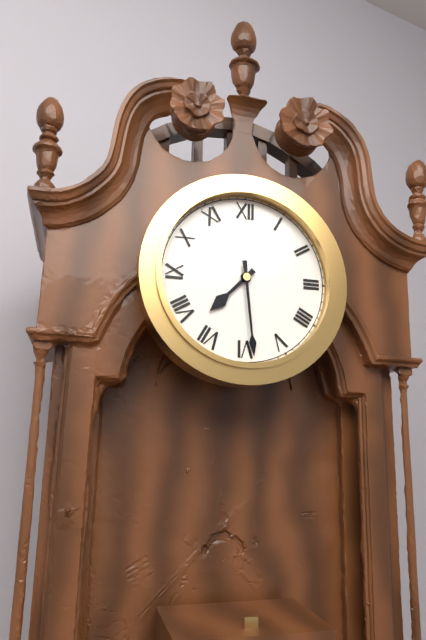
7:29
